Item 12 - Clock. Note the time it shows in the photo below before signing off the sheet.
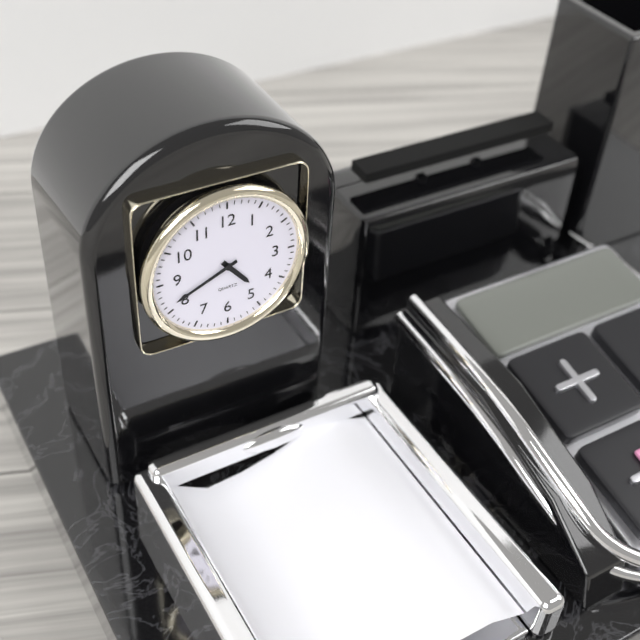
4:41
